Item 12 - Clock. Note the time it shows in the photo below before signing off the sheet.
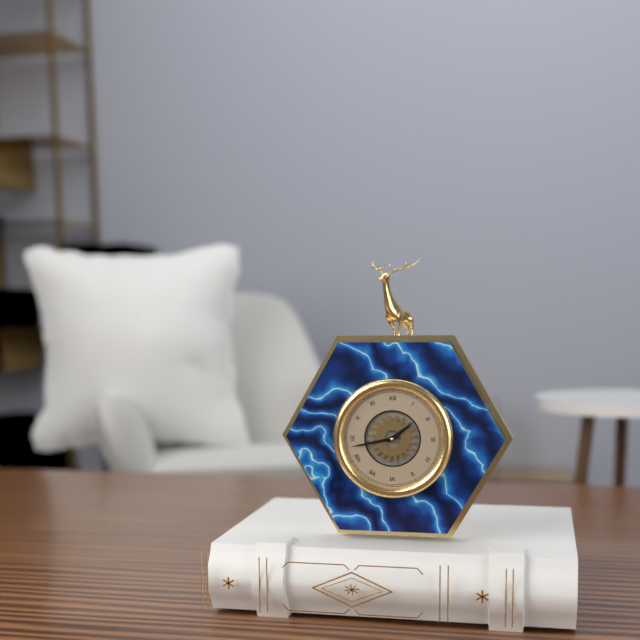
1:43
